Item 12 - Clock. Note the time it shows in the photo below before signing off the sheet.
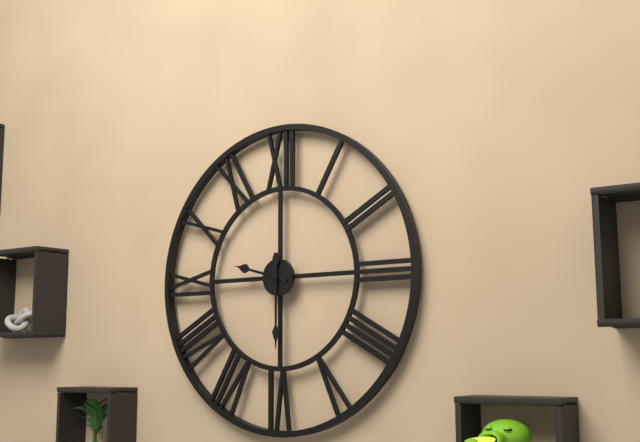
9:30
